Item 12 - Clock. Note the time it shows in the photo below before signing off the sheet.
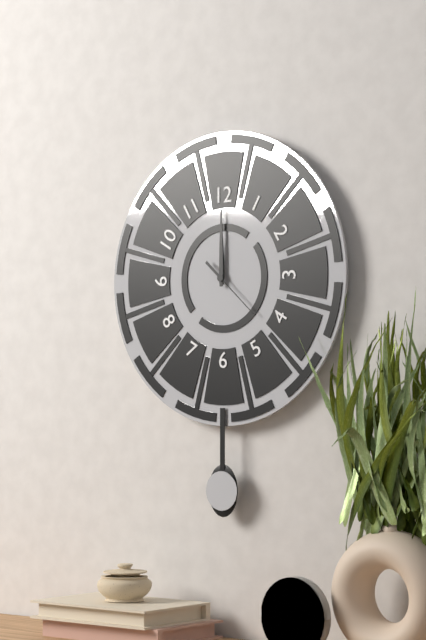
12:00:22
